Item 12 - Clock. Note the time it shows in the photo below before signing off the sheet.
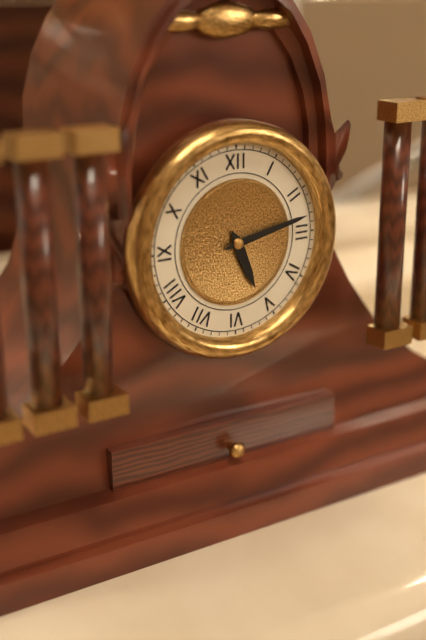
5:13
